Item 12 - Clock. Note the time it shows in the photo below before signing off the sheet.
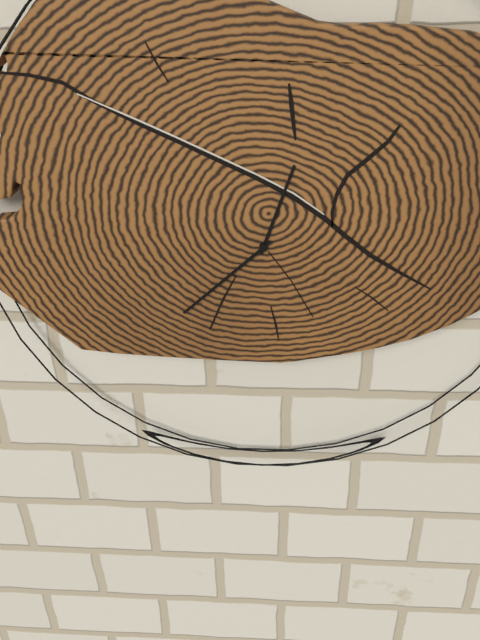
12:38
